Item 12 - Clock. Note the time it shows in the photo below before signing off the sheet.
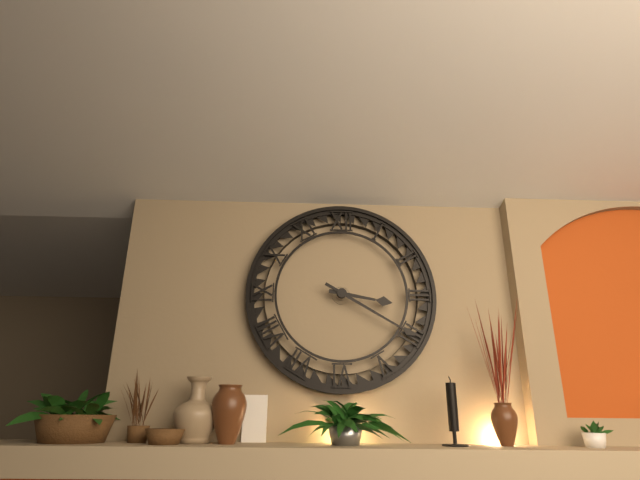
3:20
